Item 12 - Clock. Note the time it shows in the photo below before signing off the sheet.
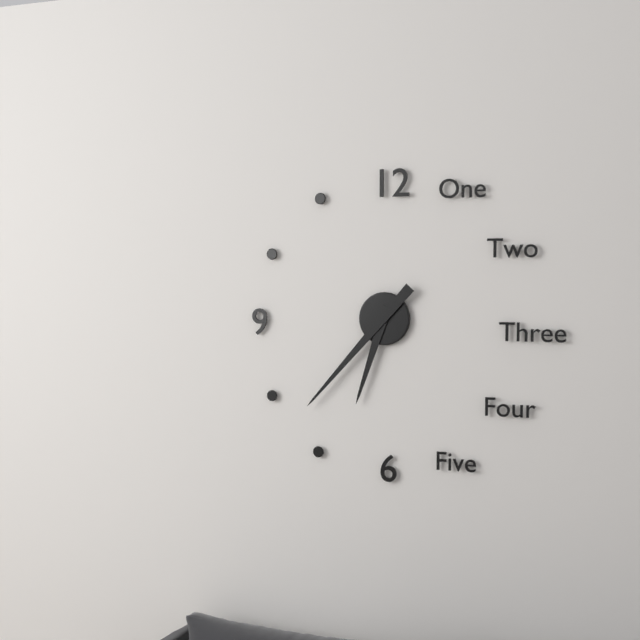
6:37
